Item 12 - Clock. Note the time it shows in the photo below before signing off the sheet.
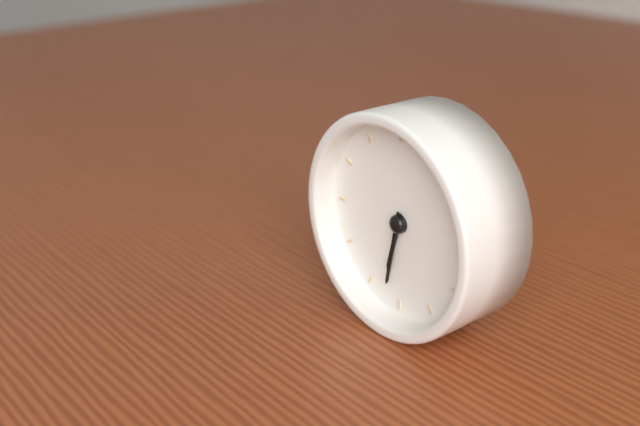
6:32
